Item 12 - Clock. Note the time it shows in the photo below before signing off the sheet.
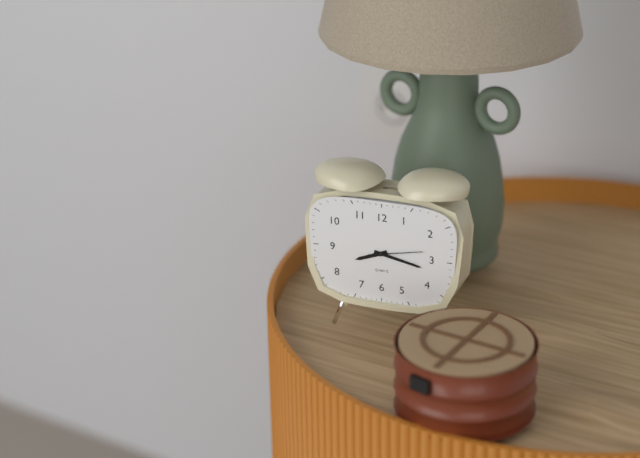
8:17:13
